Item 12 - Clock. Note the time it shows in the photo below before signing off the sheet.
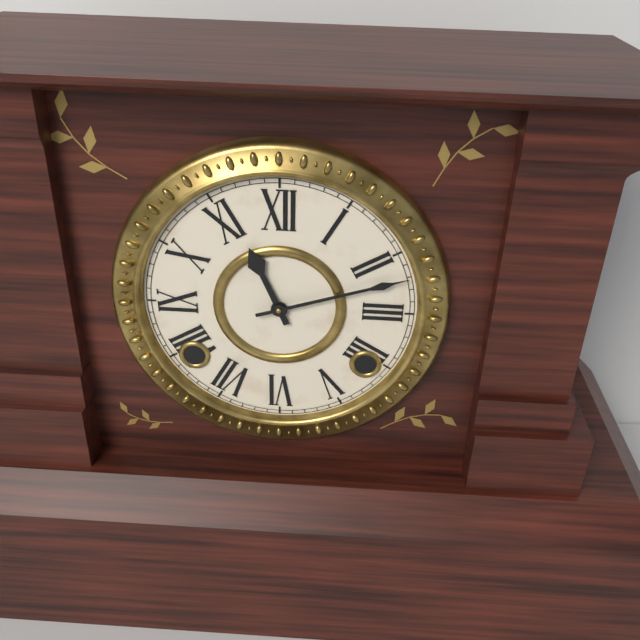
11:12
